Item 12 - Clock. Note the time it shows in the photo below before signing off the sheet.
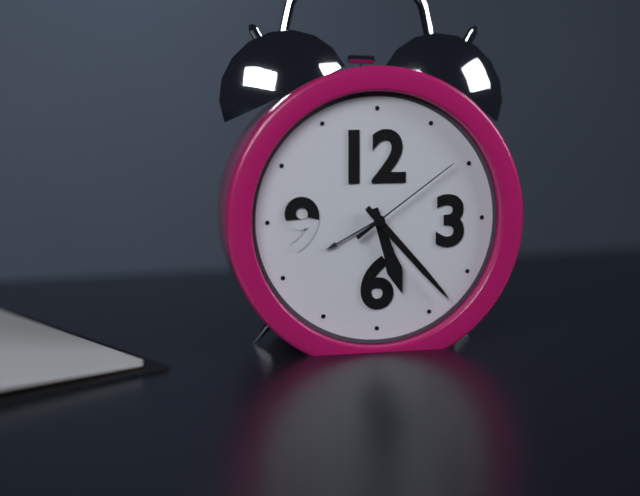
5:23:09
